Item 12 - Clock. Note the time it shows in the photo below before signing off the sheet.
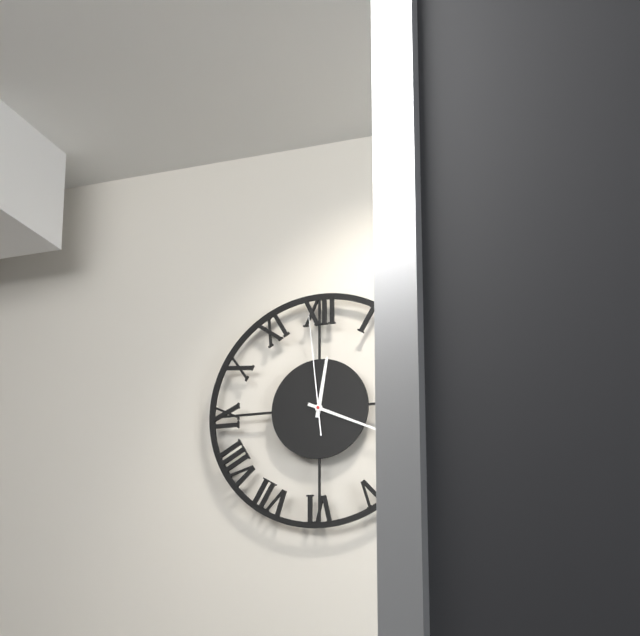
12:19:59
